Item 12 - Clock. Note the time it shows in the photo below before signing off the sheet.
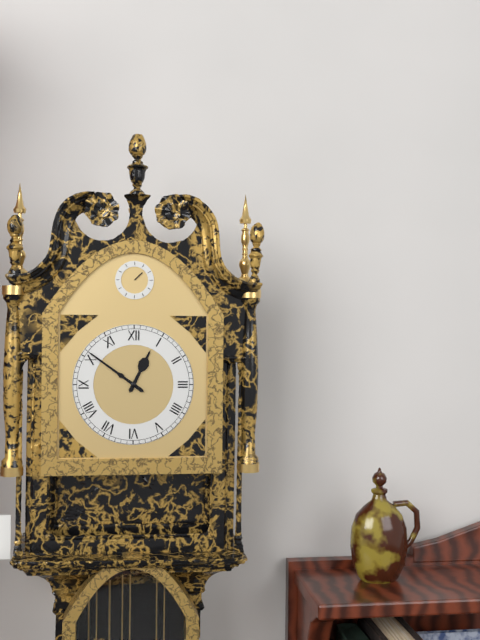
12:51
